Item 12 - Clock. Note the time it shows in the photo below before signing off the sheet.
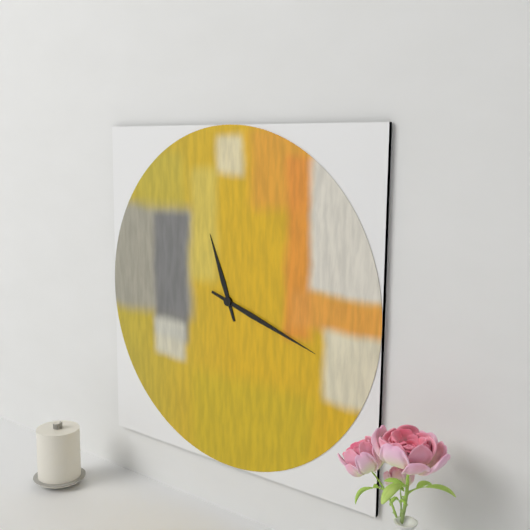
11:18
